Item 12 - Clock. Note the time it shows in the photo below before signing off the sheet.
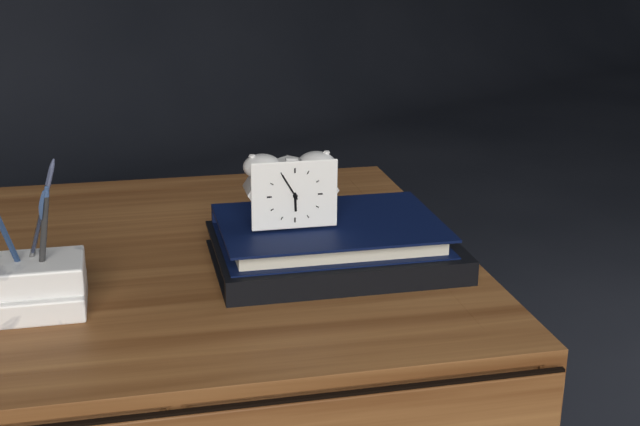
5:55
